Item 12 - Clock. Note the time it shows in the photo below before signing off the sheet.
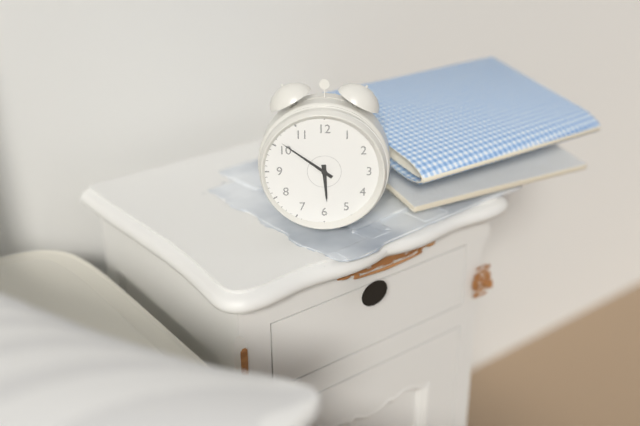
5:51
